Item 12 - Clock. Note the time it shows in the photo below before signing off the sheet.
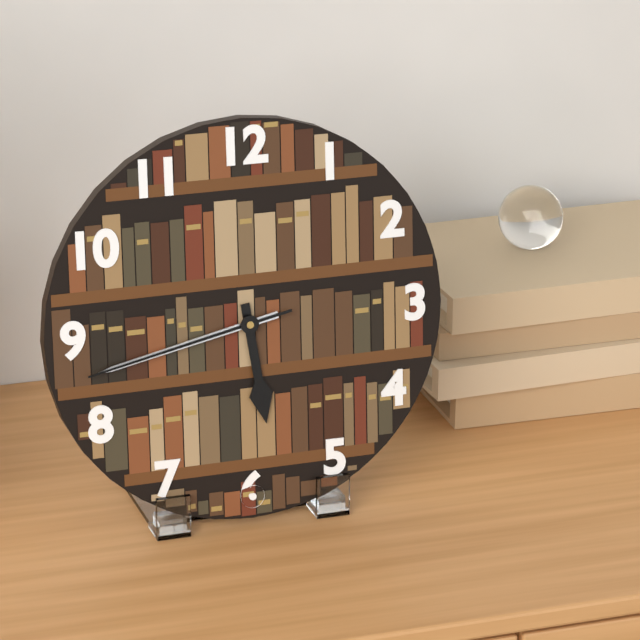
5:43:43
